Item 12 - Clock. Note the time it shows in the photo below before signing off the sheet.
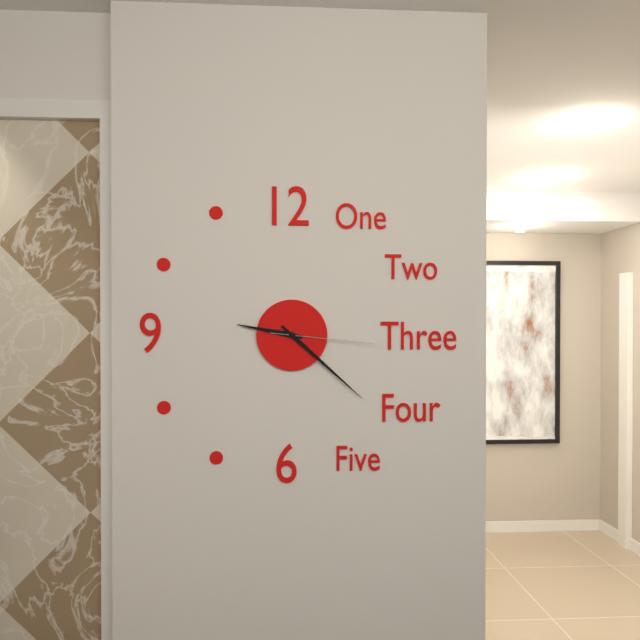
9:22:16
